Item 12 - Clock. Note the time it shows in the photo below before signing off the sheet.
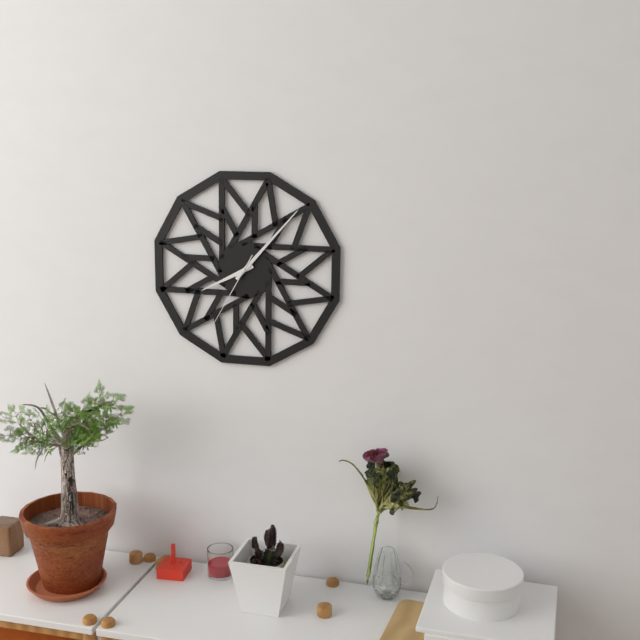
8:07:35
